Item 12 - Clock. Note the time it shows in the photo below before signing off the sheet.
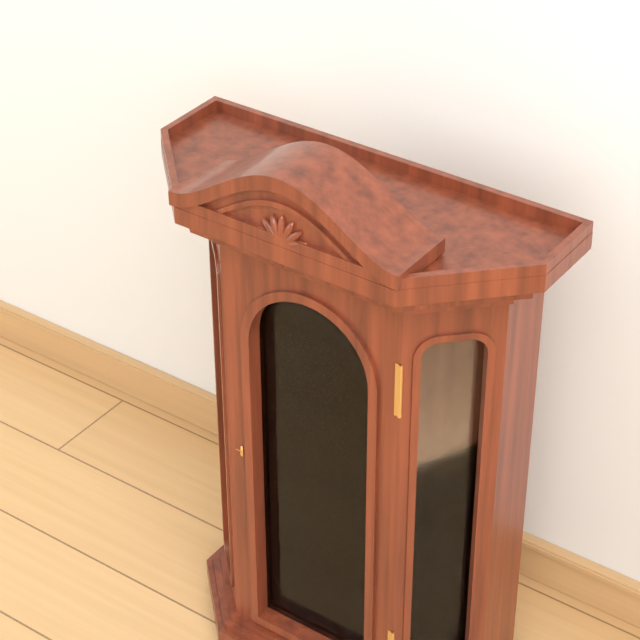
2:34
